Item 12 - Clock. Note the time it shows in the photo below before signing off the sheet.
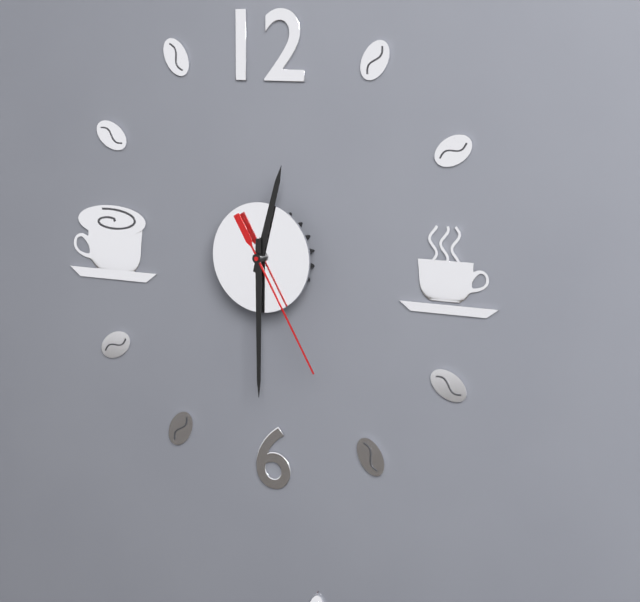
12:30:25
